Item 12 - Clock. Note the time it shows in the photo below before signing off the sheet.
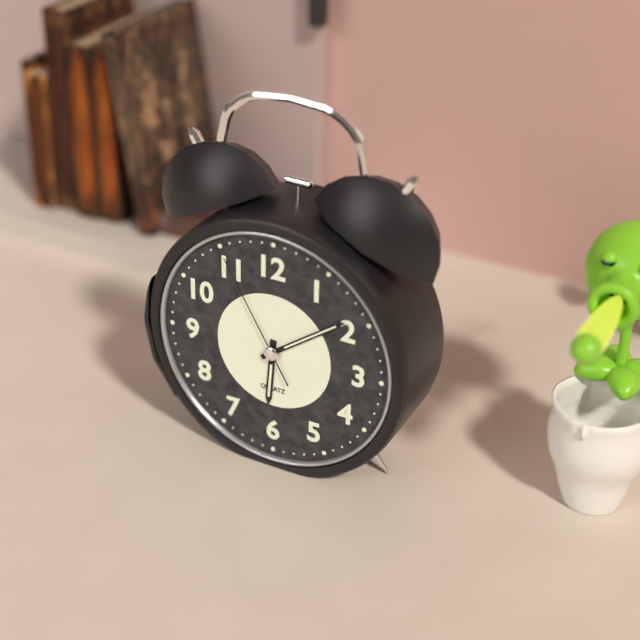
6:09:55
